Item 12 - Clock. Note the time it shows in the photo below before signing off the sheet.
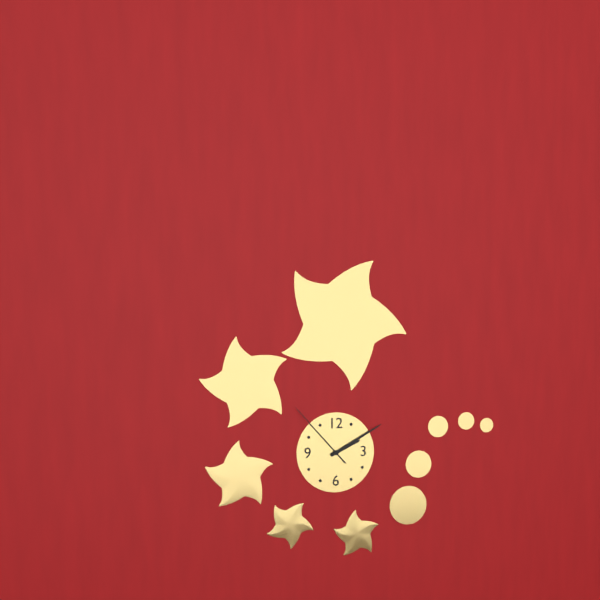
2:10:53
